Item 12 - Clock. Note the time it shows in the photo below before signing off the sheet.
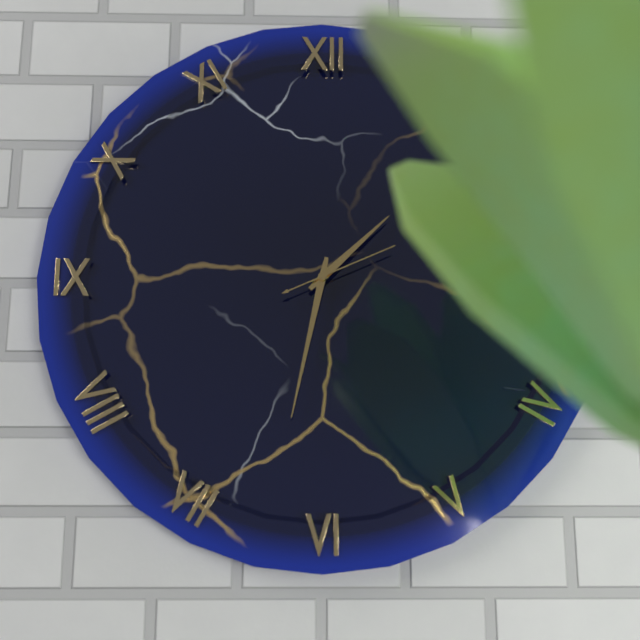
1:32:11
